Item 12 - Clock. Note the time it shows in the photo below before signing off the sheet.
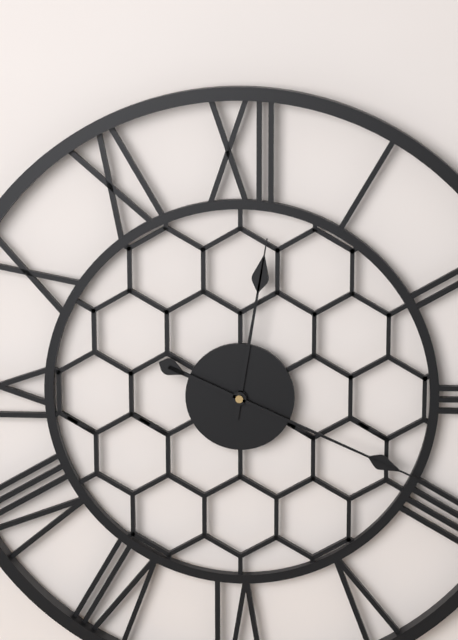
12:19
